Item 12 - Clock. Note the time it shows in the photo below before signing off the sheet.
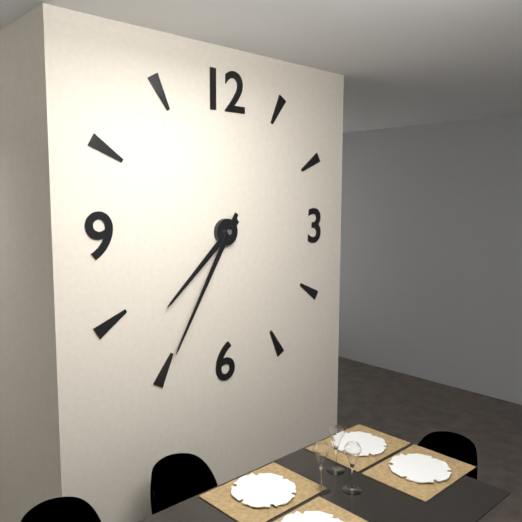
7:35
